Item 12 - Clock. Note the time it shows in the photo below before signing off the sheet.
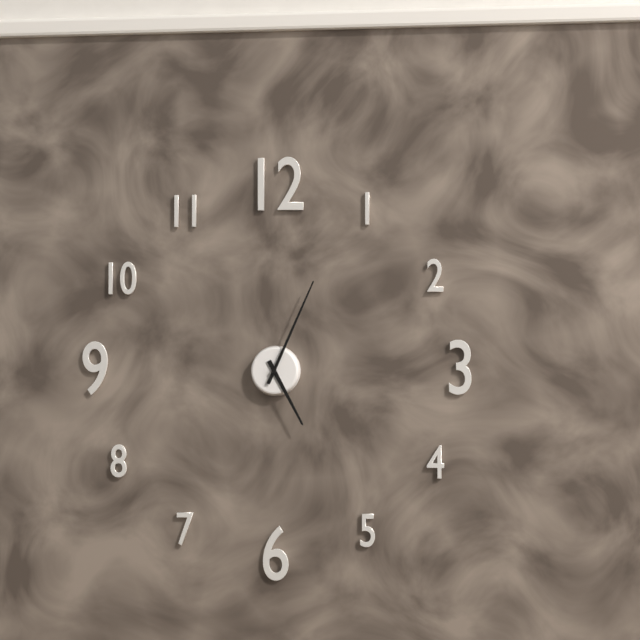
5:04
